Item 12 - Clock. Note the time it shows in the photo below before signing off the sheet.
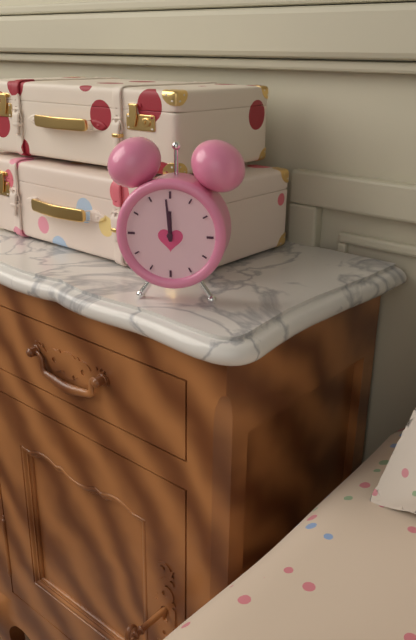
11:59
